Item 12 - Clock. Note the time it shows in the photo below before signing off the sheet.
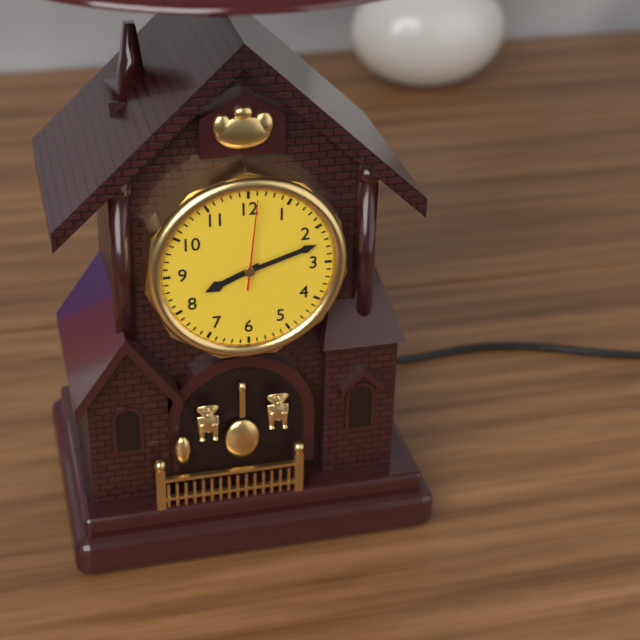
8:12:01
